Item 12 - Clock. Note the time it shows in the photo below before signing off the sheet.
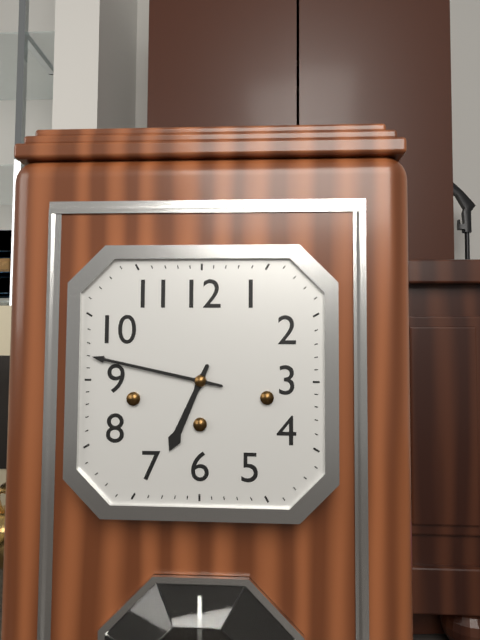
6:47
